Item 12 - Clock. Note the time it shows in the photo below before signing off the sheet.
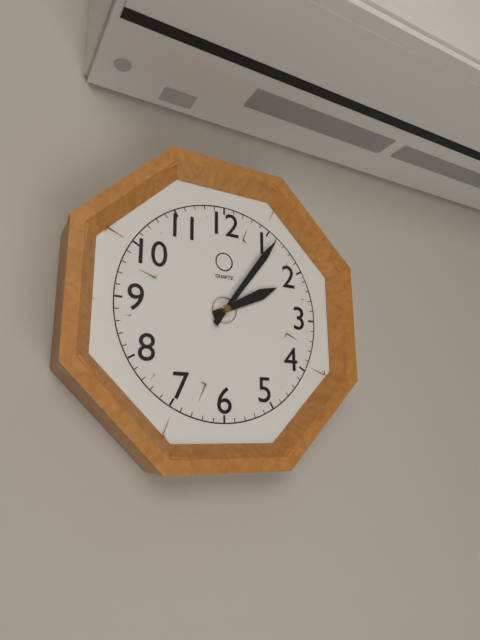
2:06
